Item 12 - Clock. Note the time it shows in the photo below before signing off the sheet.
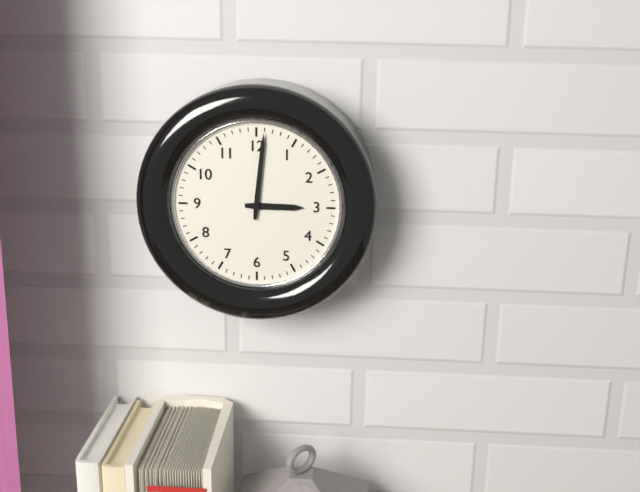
3:01
